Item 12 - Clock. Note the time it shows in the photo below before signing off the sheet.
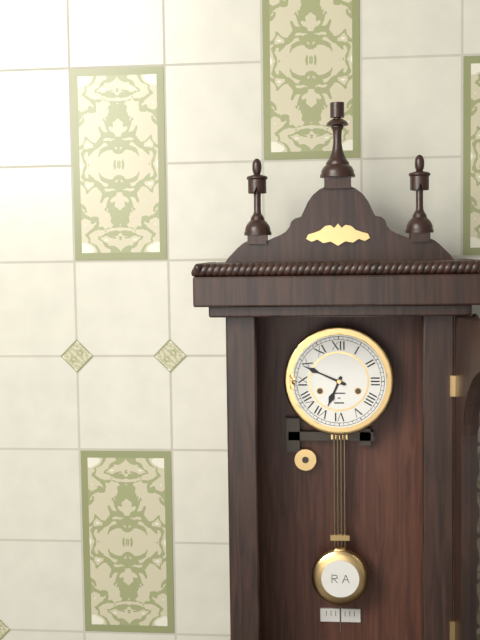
6:49
